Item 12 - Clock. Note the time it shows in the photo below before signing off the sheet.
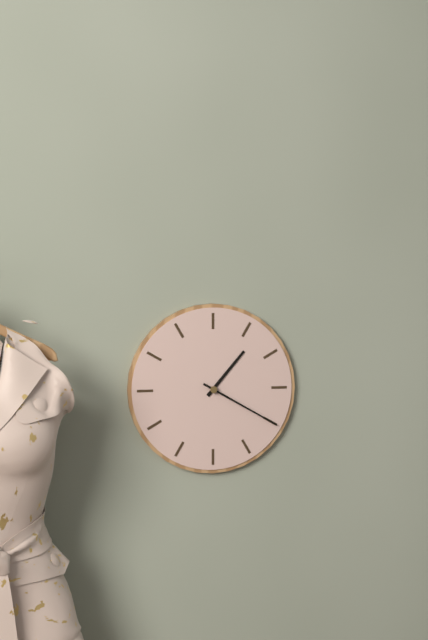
1:20
